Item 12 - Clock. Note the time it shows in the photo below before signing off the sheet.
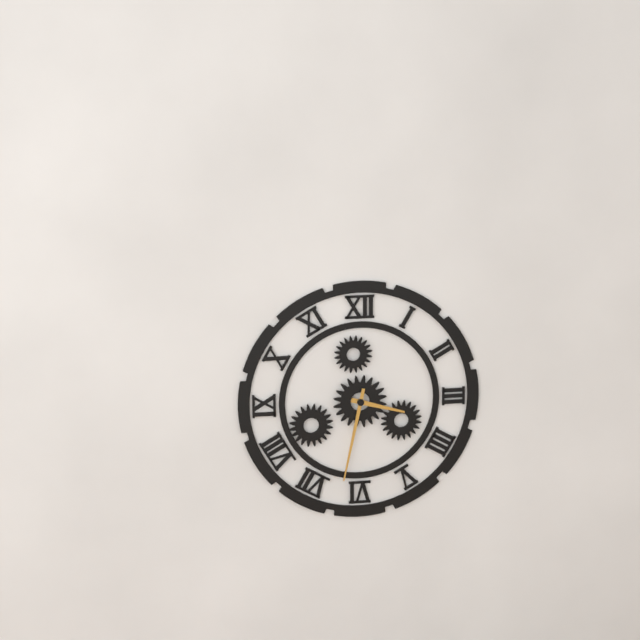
3:32
